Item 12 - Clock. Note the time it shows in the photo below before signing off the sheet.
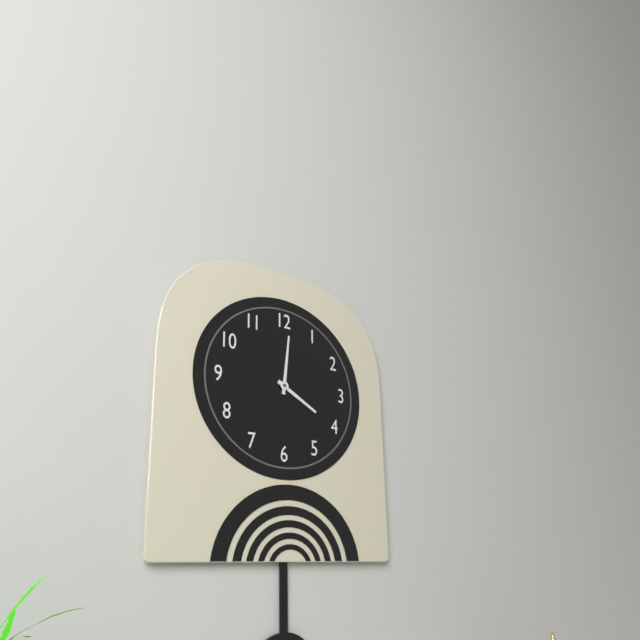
4:01
